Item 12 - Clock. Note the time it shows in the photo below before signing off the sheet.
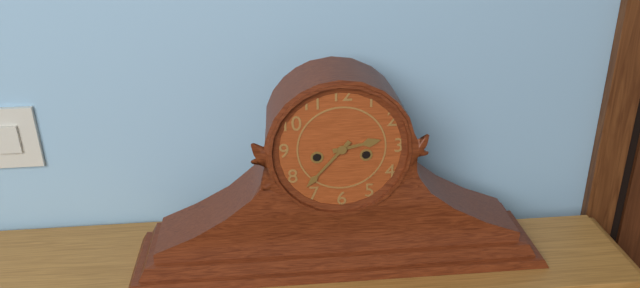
2:37
